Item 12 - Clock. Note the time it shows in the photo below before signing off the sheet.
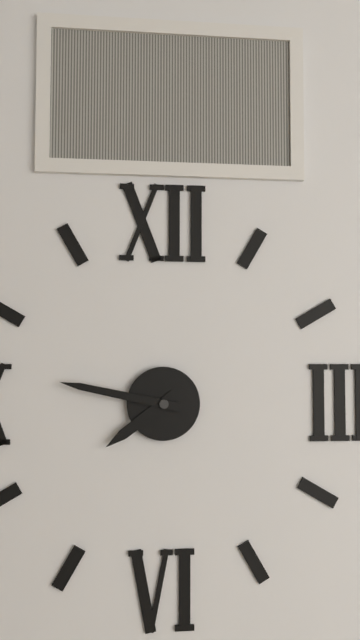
7:47
